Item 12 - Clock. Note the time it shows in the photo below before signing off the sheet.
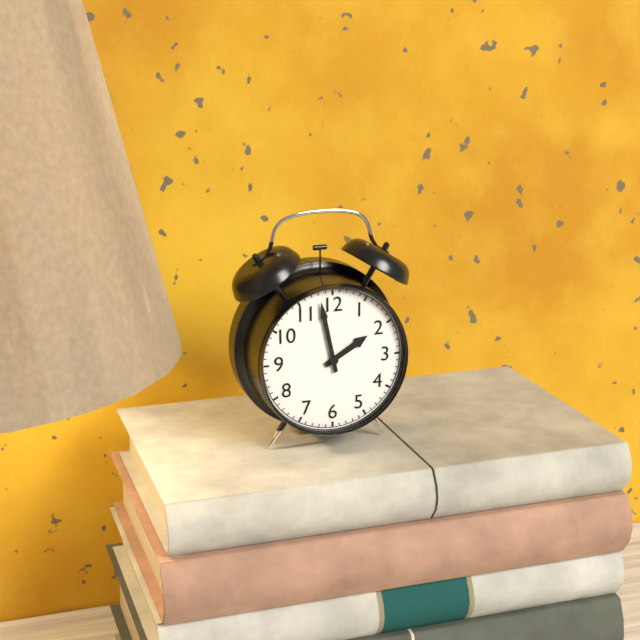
1:58
